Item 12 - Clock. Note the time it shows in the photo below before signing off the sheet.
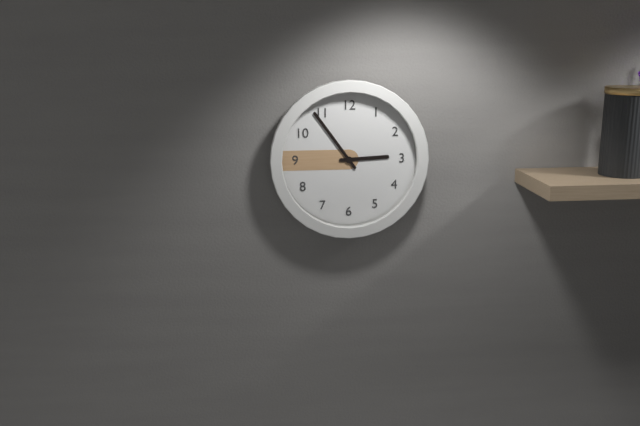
2:54
